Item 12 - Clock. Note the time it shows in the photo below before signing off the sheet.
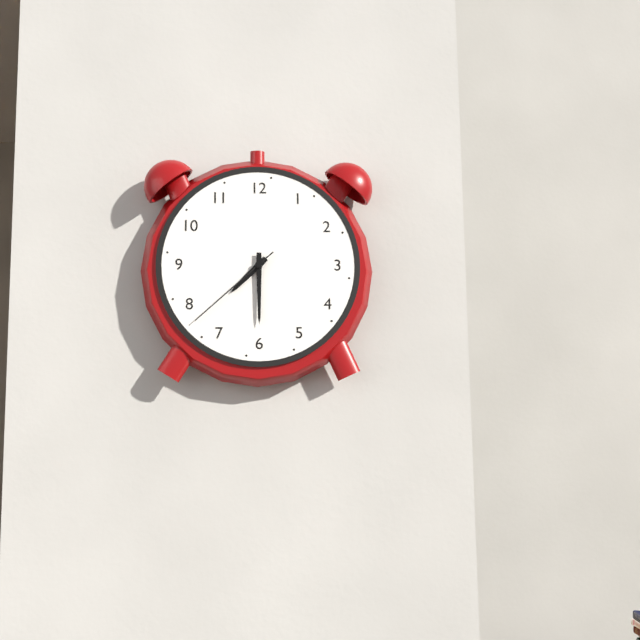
7:30:38
